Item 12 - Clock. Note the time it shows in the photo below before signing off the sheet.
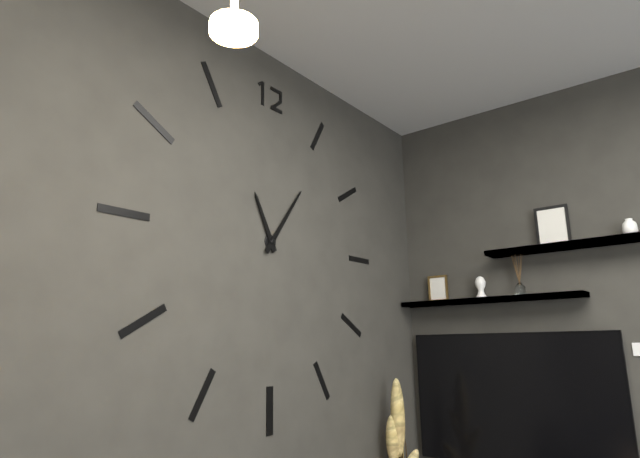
11:06
